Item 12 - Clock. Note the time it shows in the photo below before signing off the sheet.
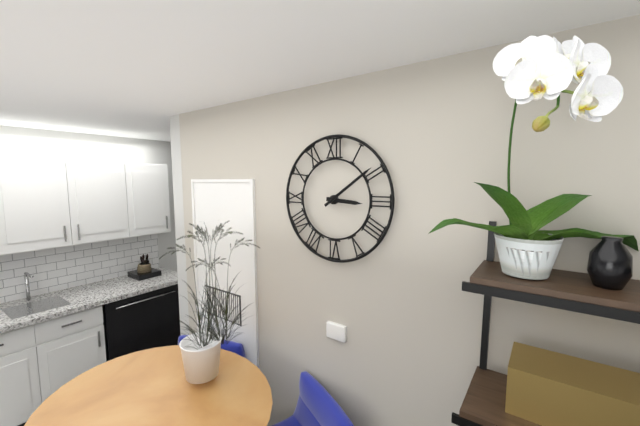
3:09
